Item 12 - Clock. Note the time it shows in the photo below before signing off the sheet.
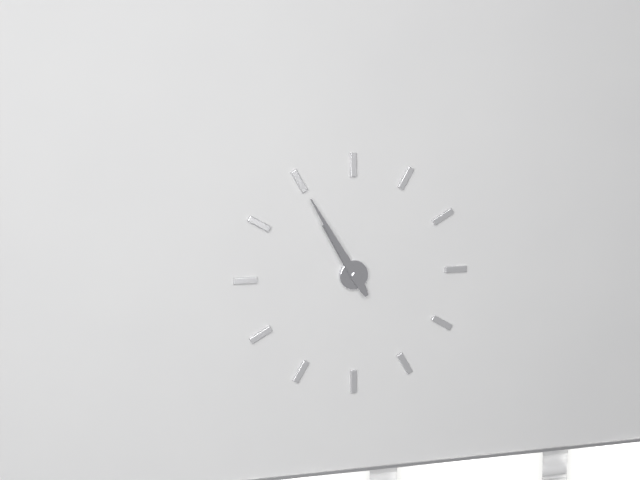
10:55
